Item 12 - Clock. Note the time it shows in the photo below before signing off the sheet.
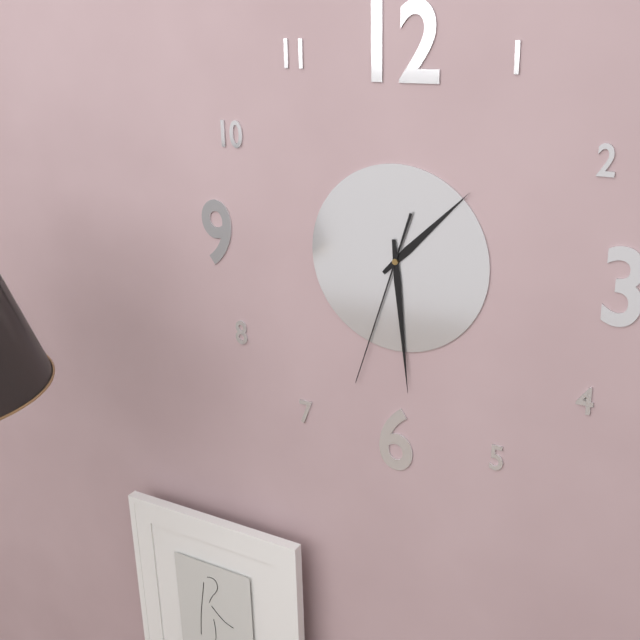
1:29:33
